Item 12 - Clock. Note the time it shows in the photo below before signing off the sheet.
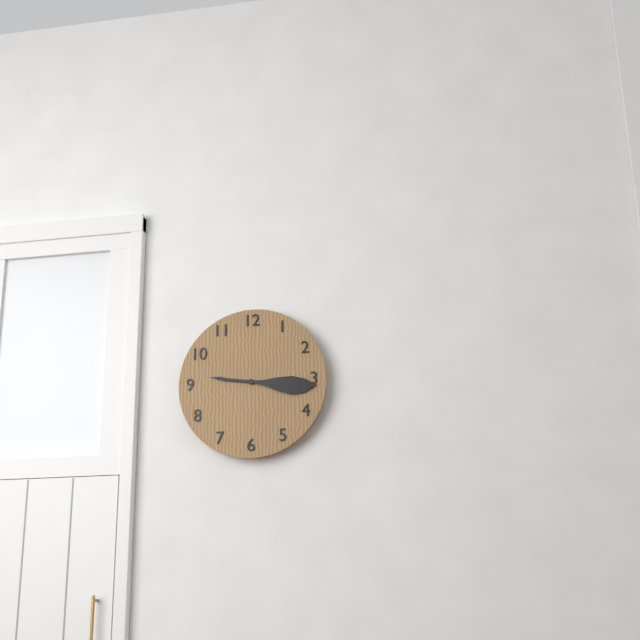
9:16
